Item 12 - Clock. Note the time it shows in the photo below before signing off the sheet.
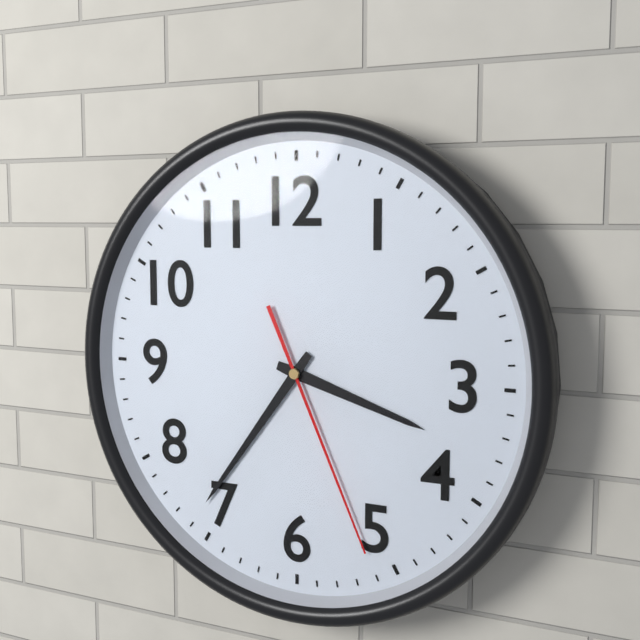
3:36:26
